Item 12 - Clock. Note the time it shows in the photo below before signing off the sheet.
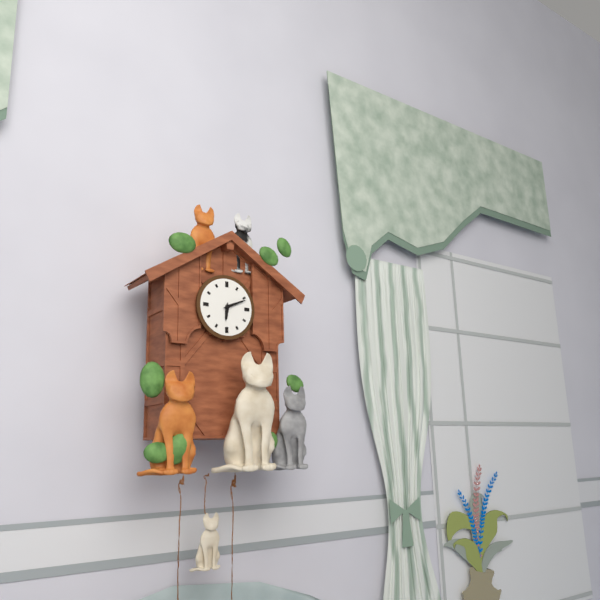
6:11
